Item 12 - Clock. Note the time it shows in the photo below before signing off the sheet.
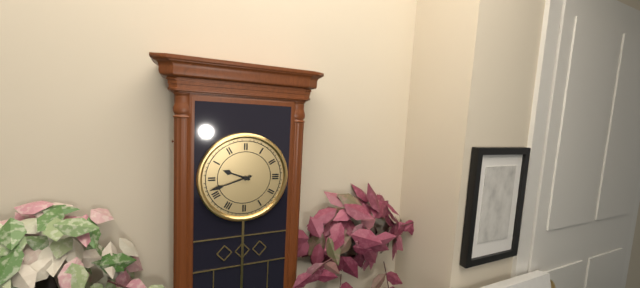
9:42
